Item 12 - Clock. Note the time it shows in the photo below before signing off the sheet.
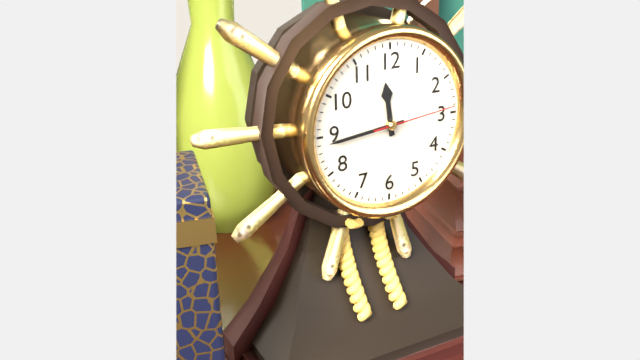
11:44:14
